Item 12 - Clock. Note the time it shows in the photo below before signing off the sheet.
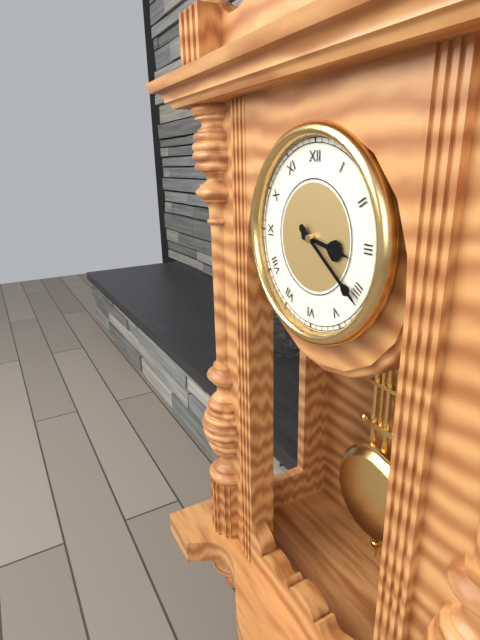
3:21
